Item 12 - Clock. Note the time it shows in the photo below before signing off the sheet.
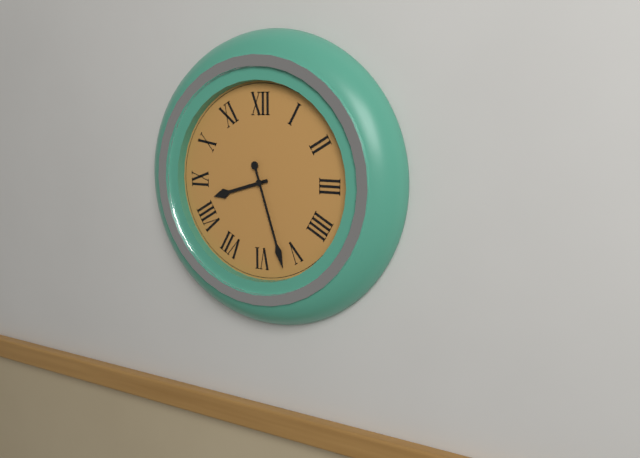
8:27
